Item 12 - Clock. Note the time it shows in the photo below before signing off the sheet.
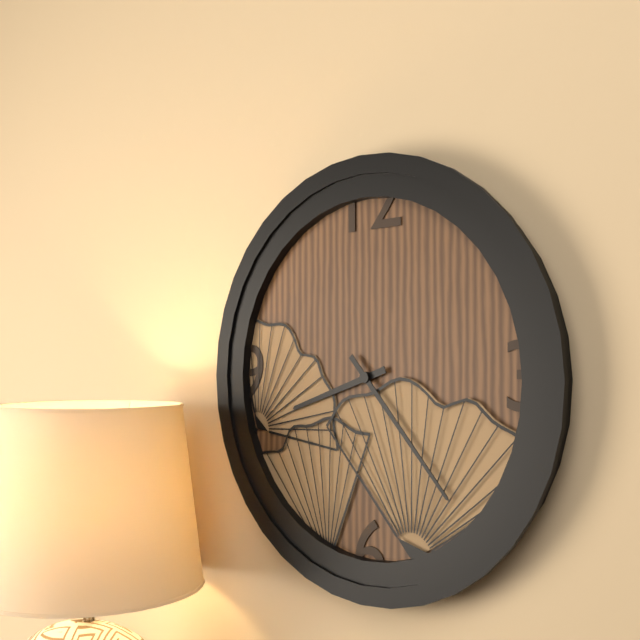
8:23
